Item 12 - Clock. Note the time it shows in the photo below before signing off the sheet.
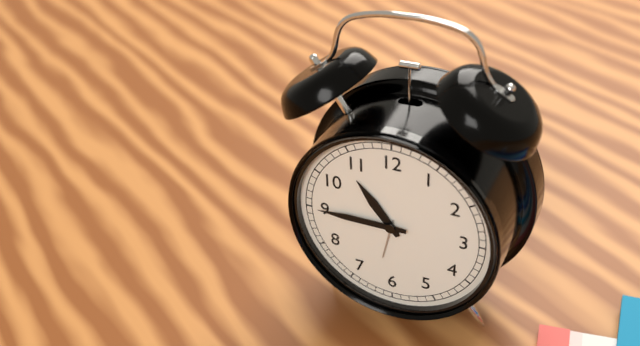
10:45
